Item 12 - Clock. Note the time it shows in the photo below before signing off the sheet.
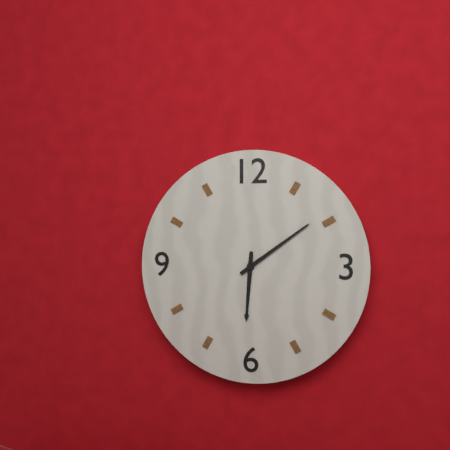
6:09
